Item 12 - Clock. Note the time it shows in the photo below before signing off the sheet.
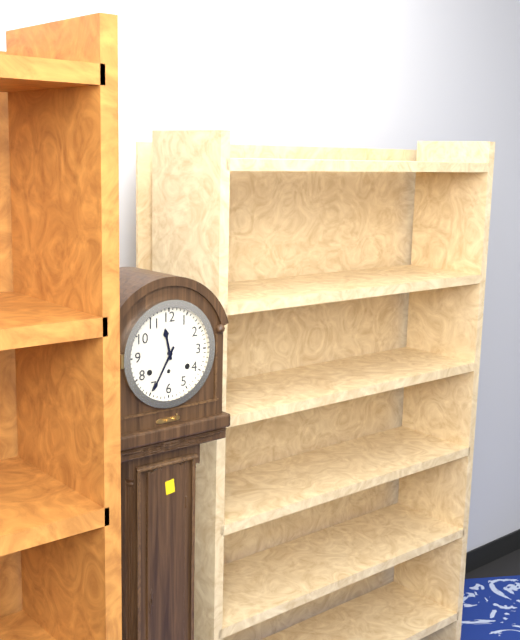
11:35
